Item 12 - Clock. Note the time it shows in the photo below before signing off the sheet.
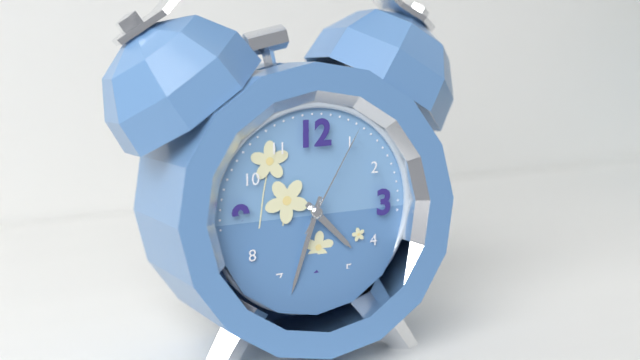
4:33:05
